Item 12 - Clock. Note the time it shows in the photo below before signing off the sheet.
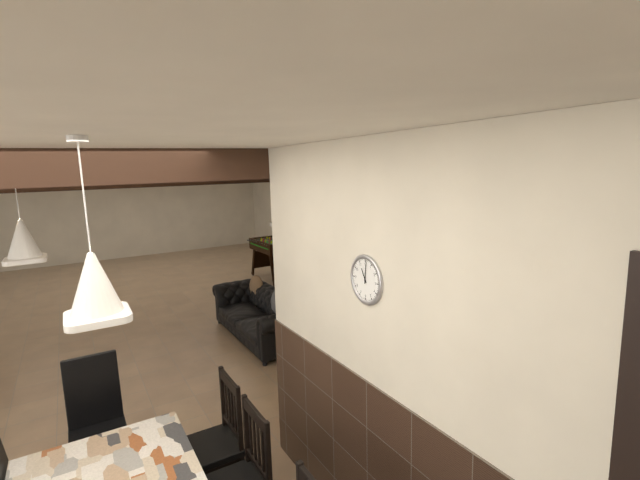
11:01
